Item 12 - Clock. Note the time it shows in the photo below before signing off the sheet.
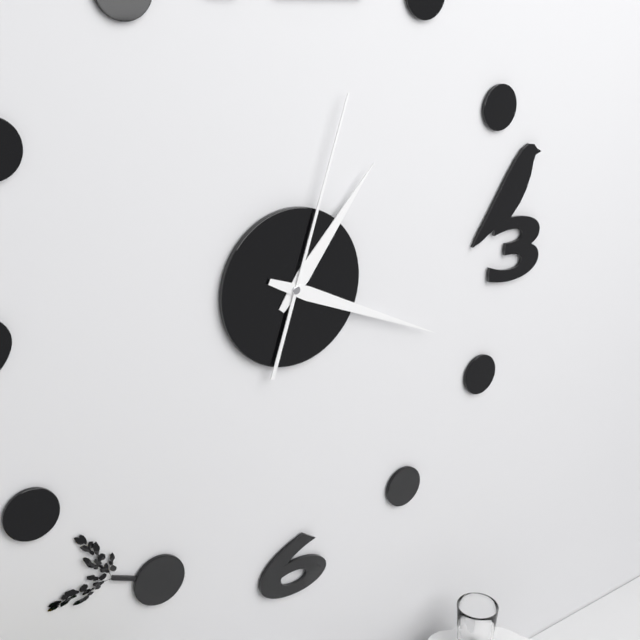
1:19:03
